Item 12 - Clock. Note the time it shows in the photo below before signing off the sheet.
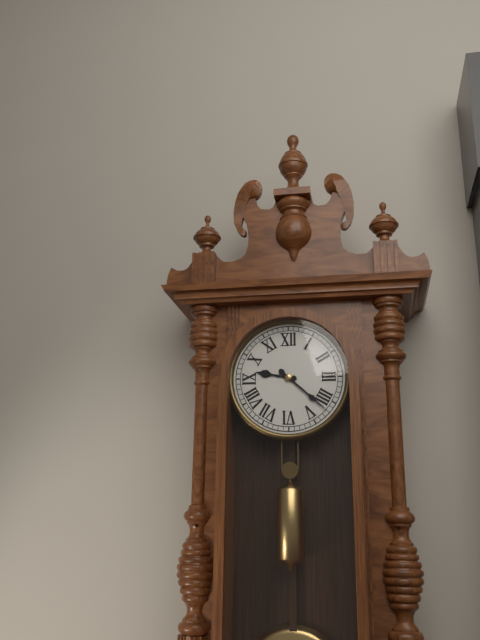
9:22
